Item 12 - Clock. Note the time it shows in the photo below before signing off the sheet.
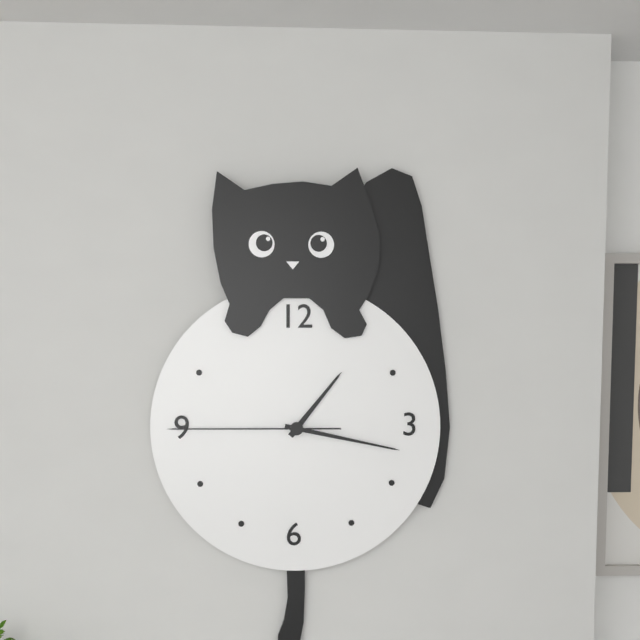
1:17:45
